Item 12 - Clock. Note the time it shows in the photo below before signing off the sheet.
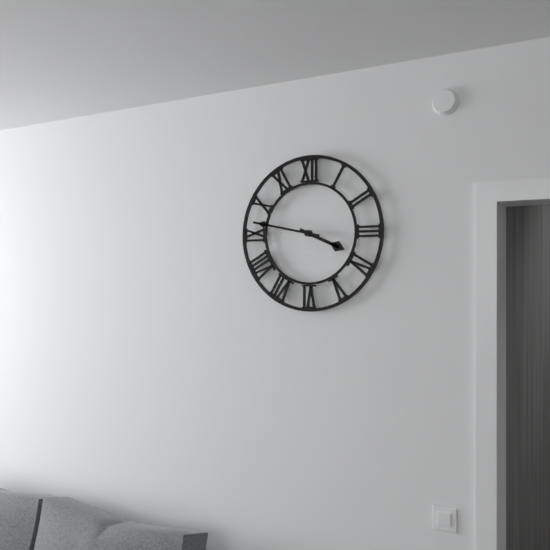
3:47
